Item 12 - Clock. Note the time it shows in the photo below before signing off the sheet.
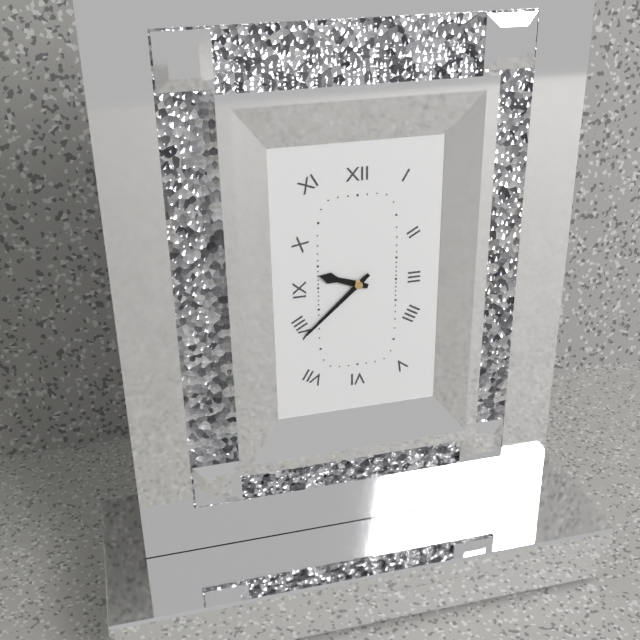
9:38
